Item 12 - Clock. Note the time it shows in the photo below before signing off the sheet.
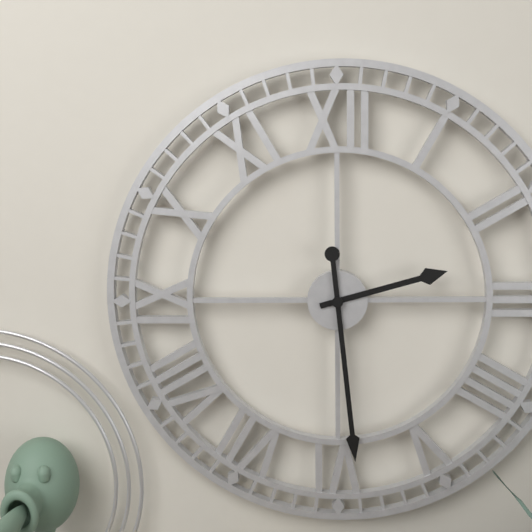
2:29
